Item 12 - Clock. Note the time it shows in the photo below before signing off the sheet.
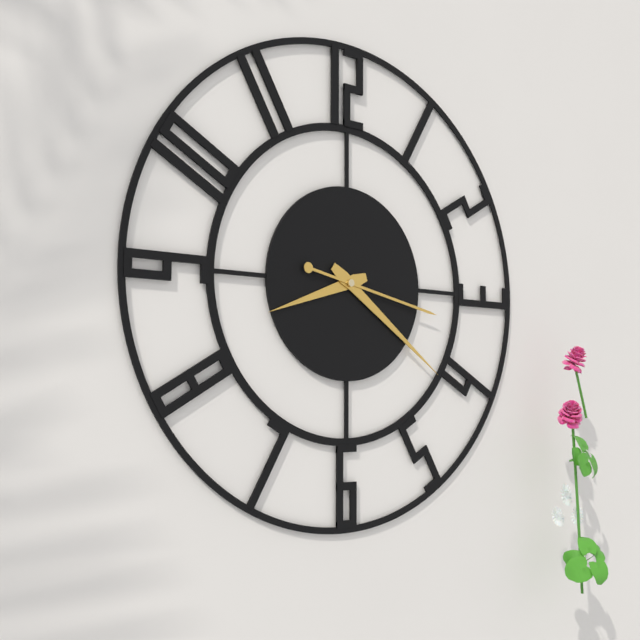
8:21:17
